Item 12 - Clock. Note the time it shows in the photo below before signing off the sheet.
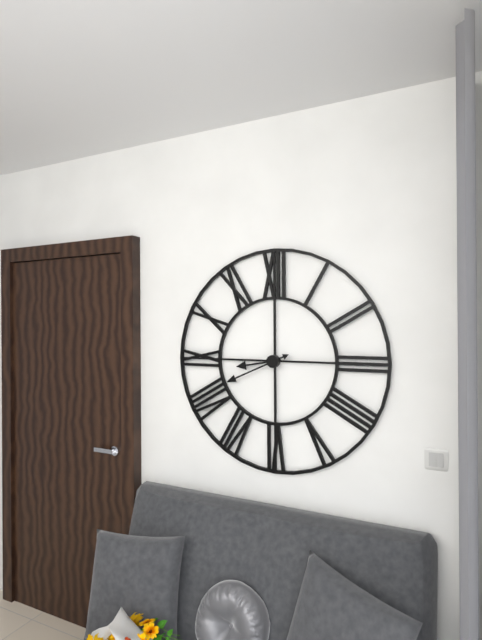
8:41
